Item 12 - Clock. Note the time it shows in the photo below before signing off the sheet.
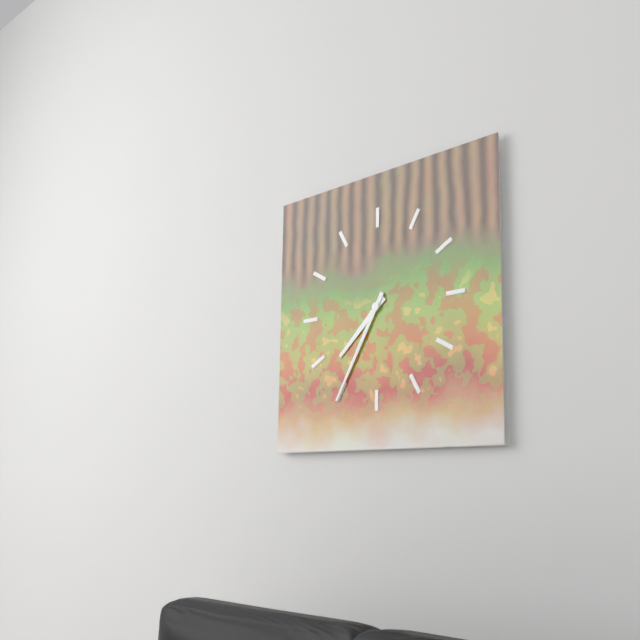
7:35
